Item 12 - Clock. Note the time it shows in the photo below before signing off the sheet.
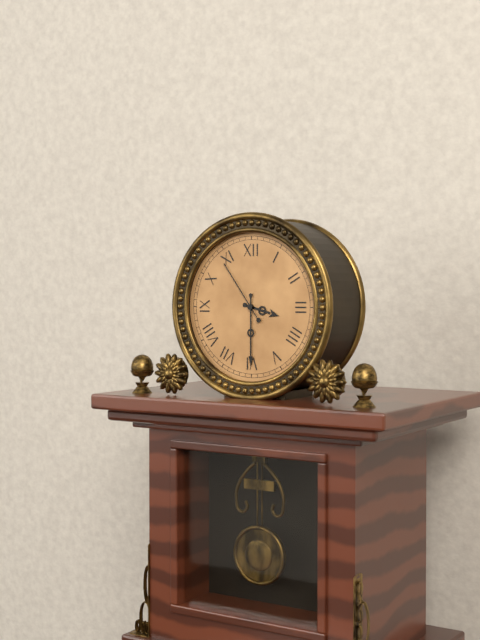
3:30:54
